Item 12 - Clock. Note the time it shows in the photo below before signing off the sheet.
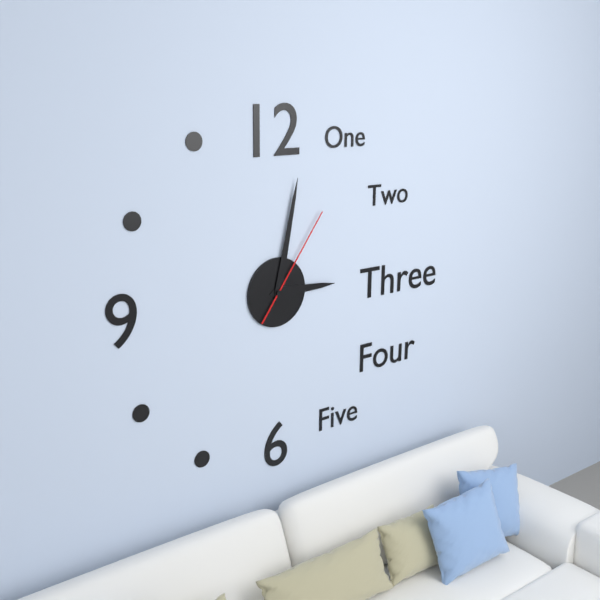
3:02:06
